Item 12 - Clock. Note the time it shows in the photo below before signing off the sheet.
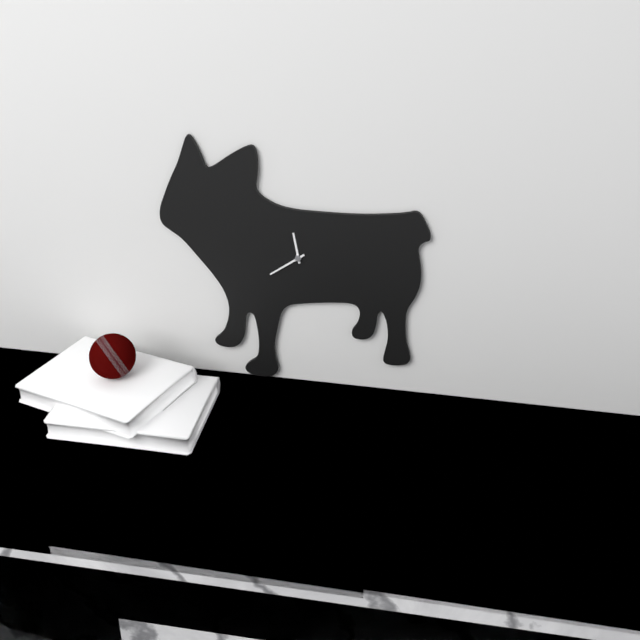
11:39
